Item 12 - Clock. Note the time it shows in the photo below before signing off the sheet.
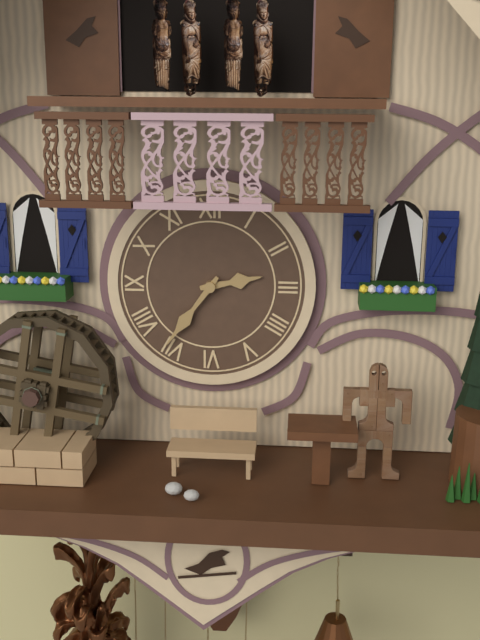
2:36
